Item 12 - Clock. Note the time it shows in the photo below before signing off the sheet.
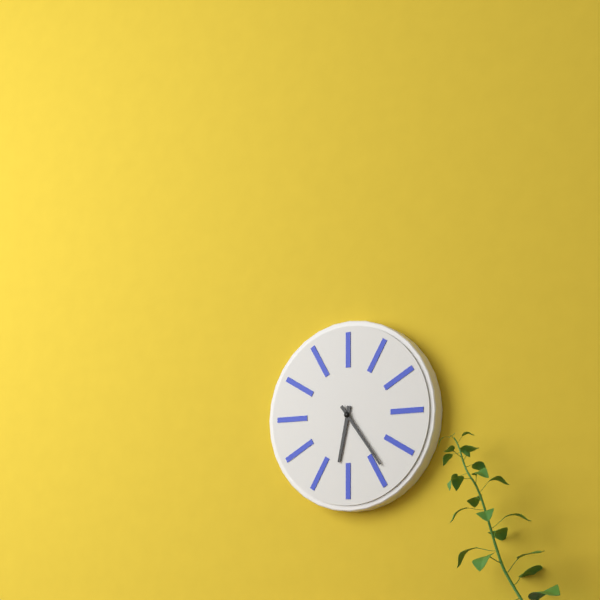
6:24
